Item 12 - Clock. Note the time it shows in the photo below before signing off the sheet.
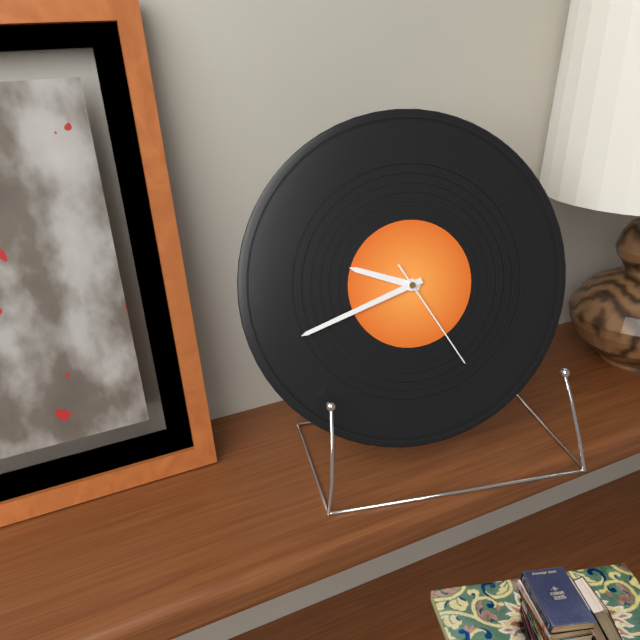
9:42:25
